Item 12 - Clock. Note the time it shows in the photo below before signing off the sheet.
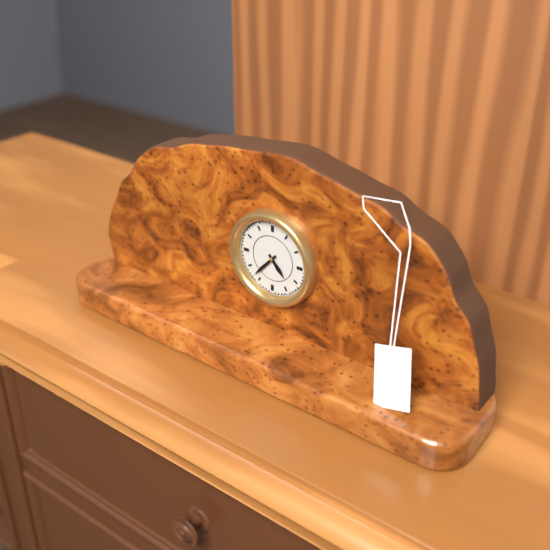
4:37
